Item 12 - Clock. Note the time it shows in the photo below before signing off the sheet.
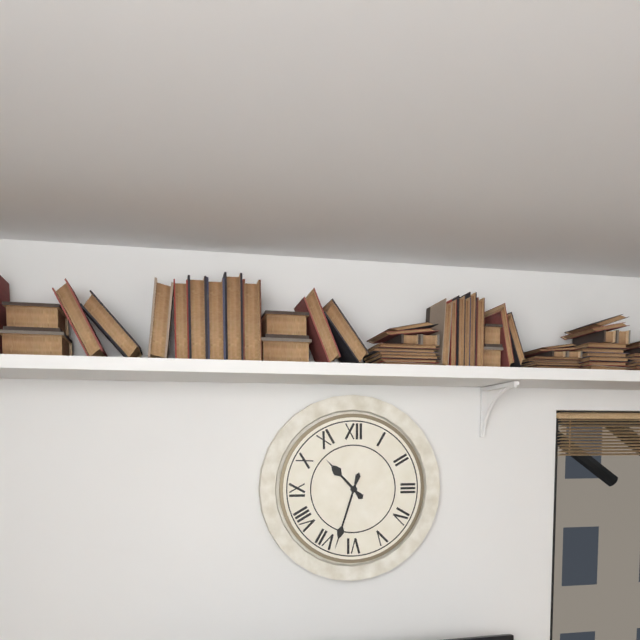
10:33
